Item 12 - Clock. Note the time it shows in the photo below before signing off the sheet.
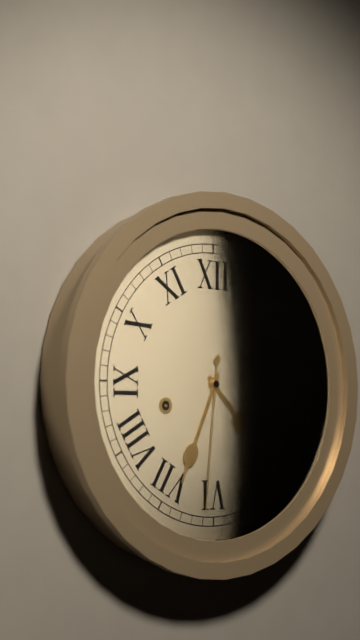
4:34:31
